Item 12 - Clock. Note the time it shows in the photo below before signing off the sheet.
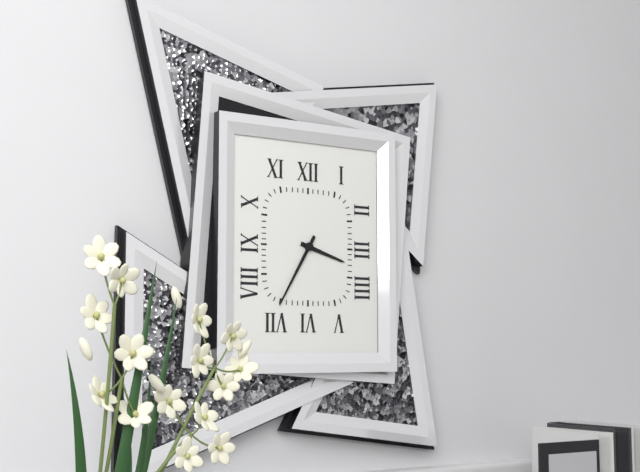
3:35
